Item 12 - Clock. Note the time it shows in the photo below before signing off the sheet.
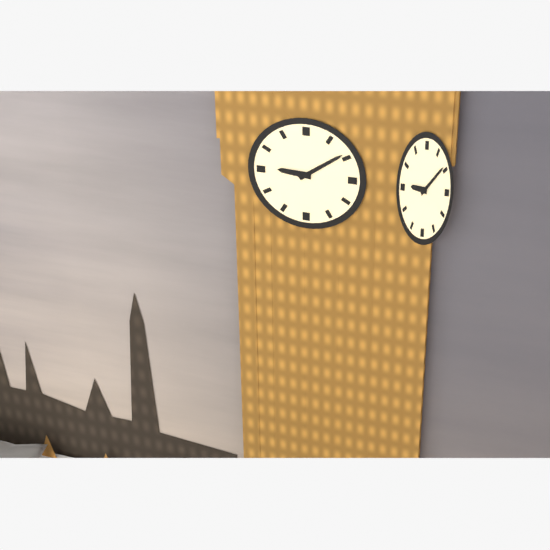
9:09
